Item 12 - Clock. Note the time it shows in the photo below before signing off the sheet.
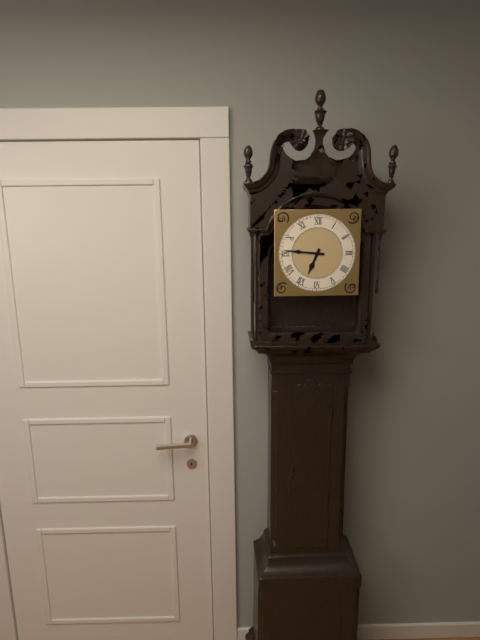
6:46
